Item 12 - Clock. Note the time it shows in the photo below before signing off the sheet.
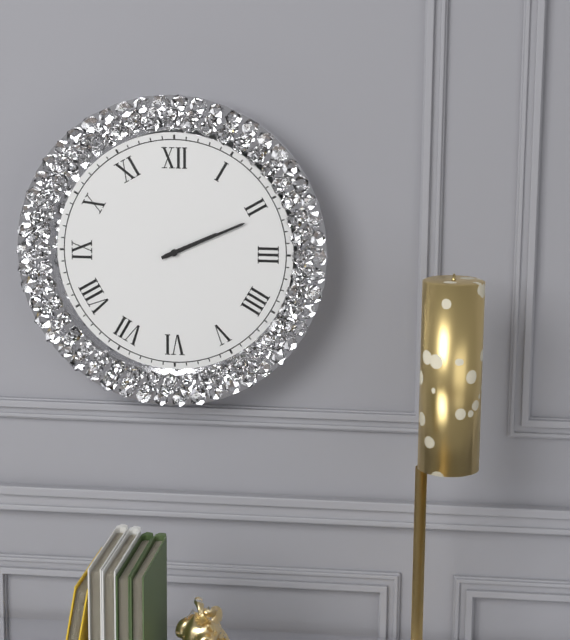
2:11
